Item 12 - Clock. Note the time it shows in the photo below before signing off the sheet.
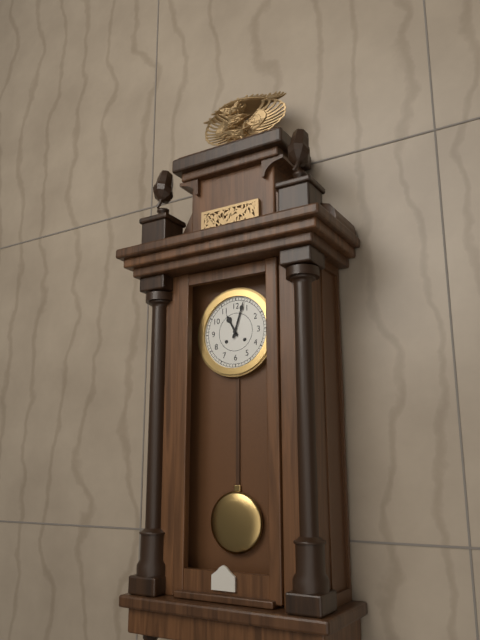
11:03
